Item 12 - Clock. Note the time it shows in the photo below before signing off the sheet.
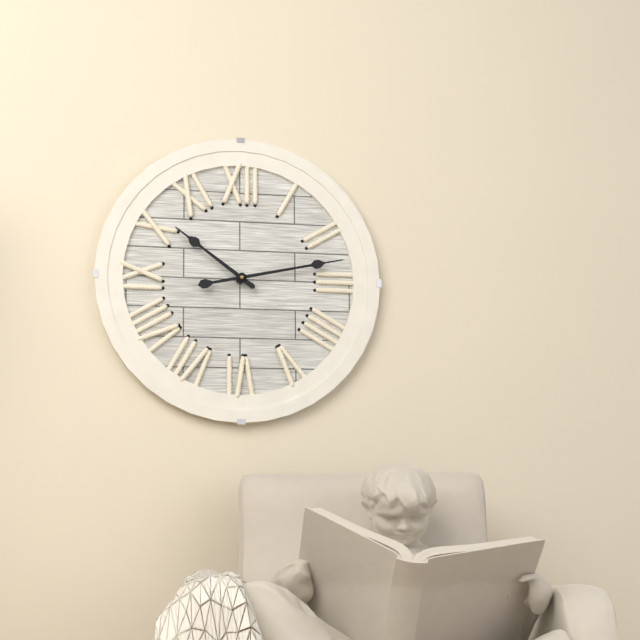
10:13
